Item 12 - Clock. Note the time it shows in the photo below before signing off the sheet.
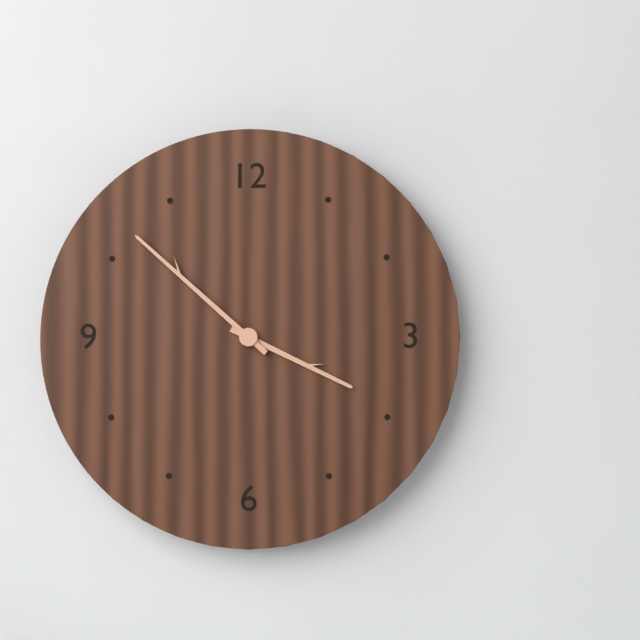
3:52
